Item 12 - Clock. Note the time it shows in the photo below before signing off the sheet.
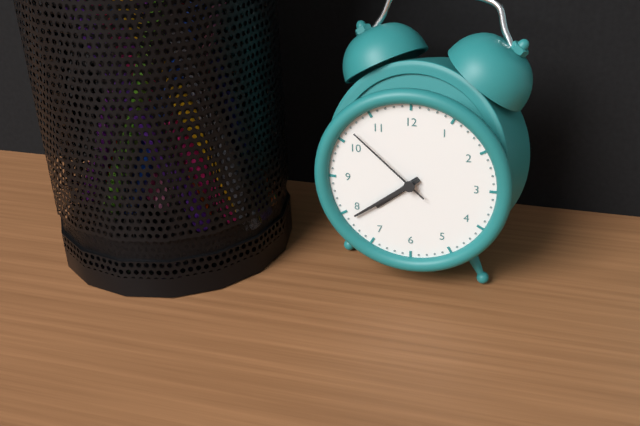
7:39:52
